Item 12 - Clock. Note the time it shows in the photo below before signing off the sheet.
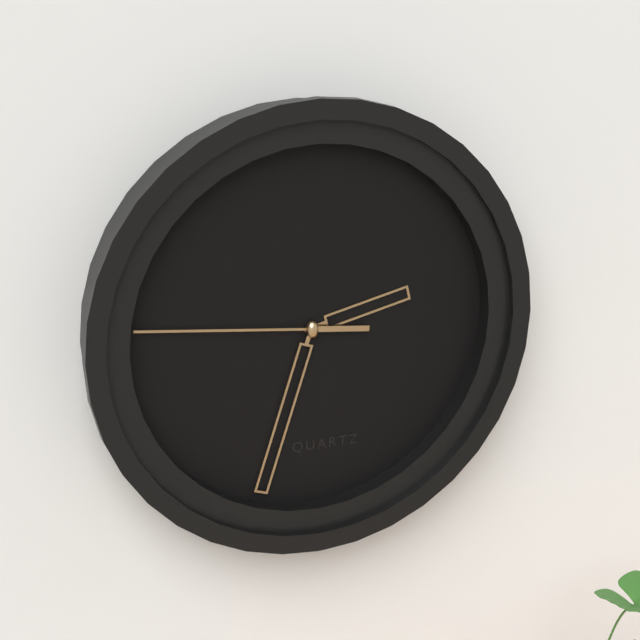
2:33:46
